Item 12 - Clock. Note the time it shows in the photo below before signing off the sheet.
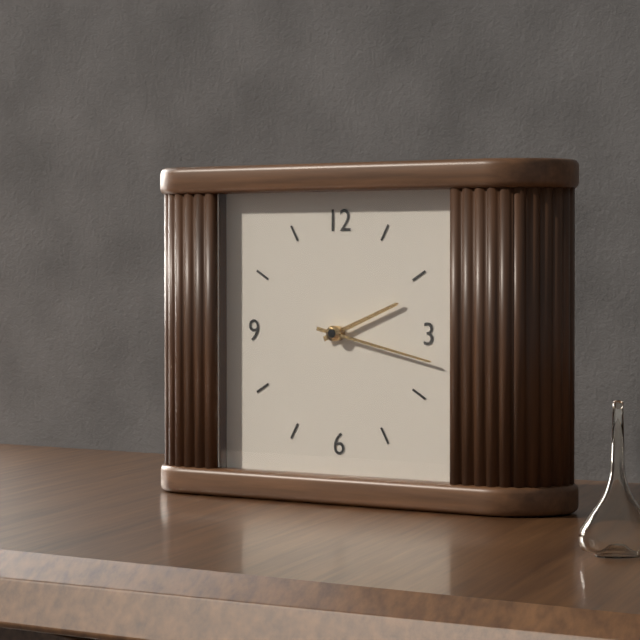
2:17
